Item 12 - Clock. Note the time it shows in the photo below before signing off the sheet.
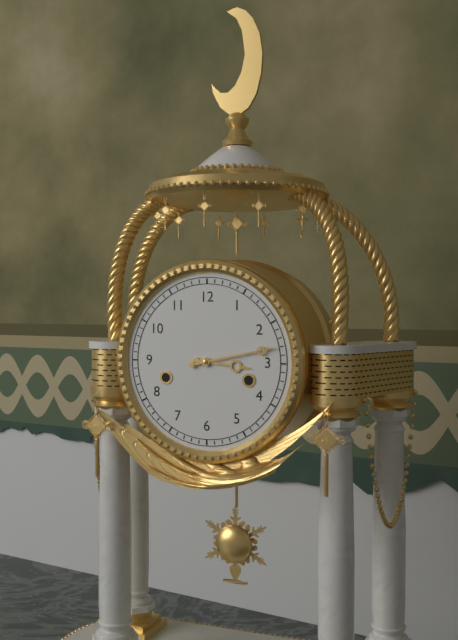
3:13
